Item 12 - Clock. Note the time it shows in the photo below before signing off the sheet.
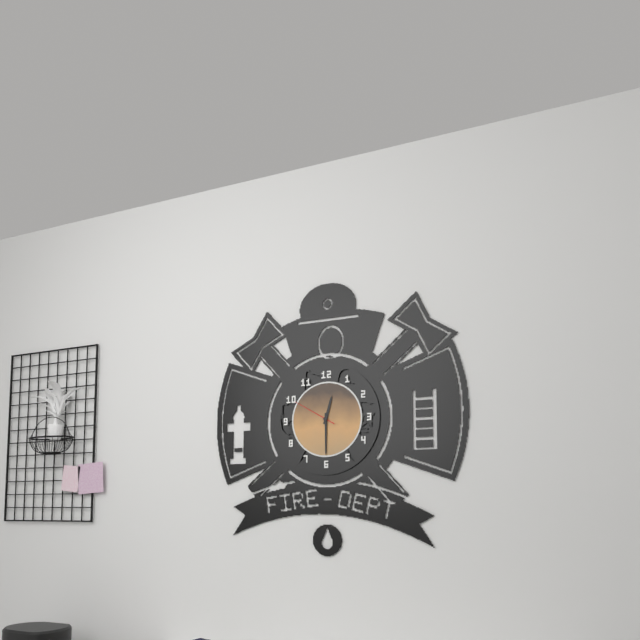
12:30
